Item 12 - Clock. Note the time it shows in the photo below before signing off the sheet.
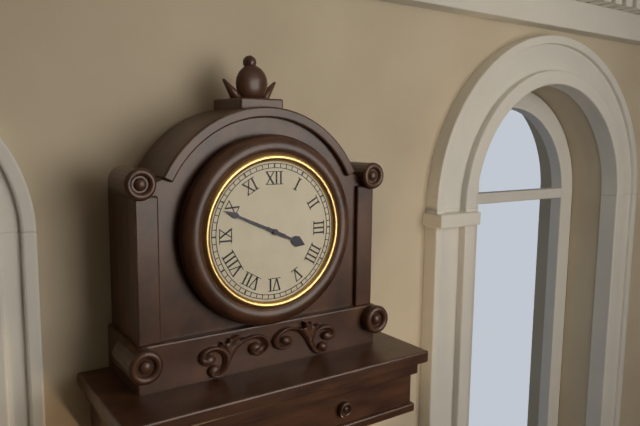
3:49
